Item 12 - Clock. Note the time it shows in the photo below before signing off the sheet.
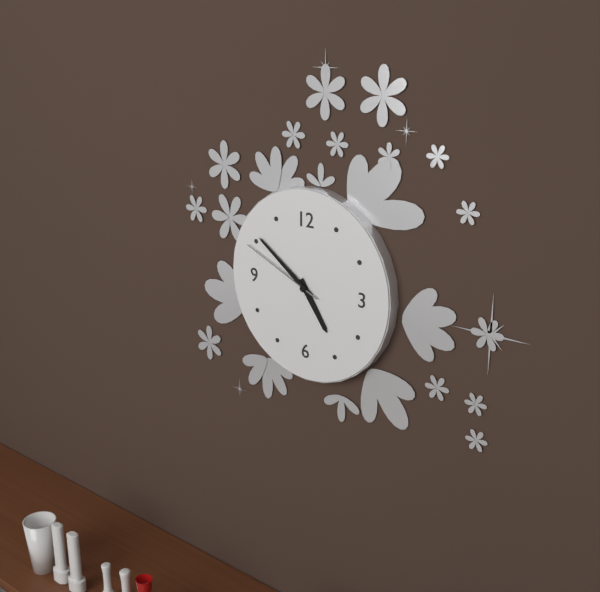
4:51:49
